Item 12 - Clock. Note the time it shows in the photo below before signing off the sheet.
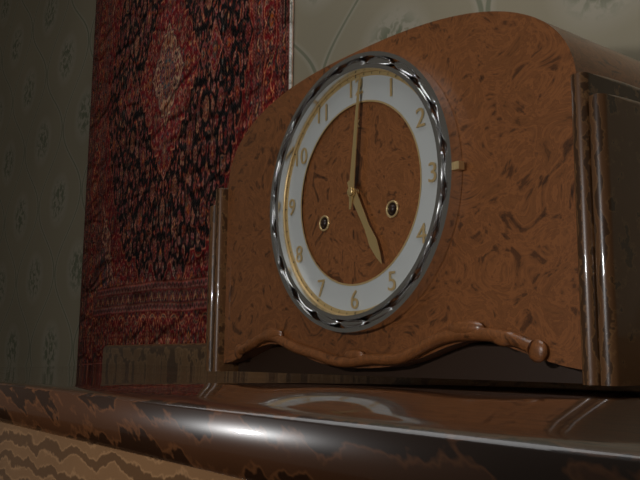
5:01
